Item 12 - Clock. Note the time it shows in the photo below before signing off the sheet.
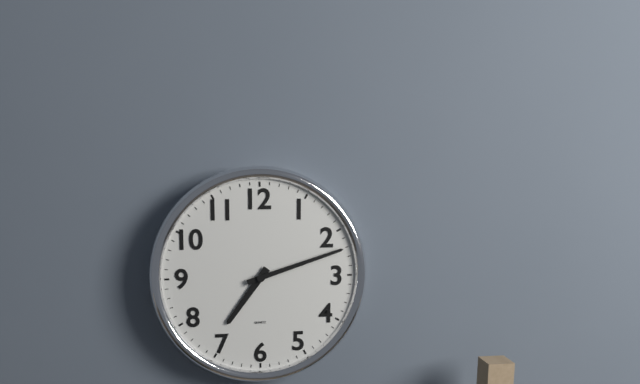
7:12
